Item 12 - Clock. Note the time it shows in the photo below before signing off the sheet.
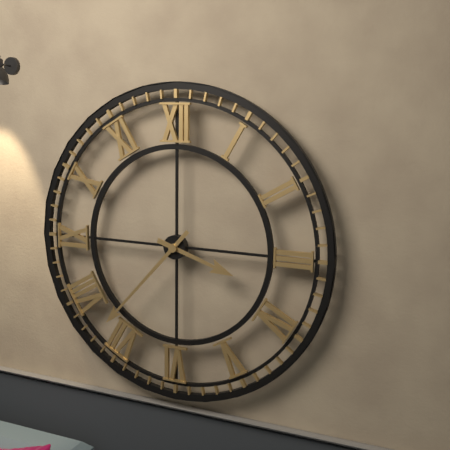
3:37
